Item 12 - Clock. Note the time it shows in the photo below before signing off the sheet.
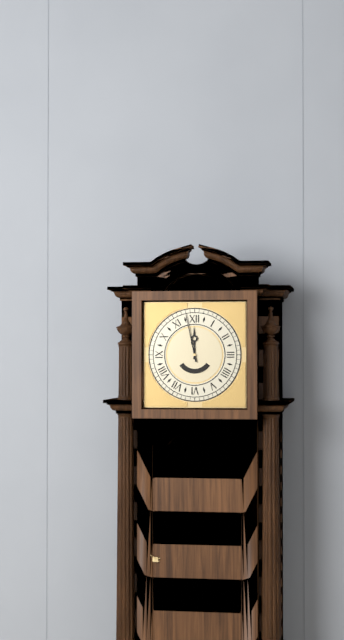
11:58
